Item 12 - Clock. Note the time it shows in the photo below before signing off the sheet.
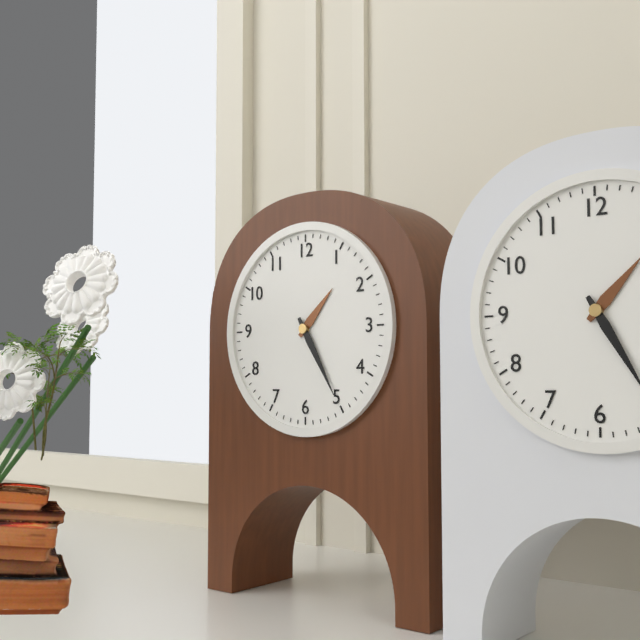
1:25
